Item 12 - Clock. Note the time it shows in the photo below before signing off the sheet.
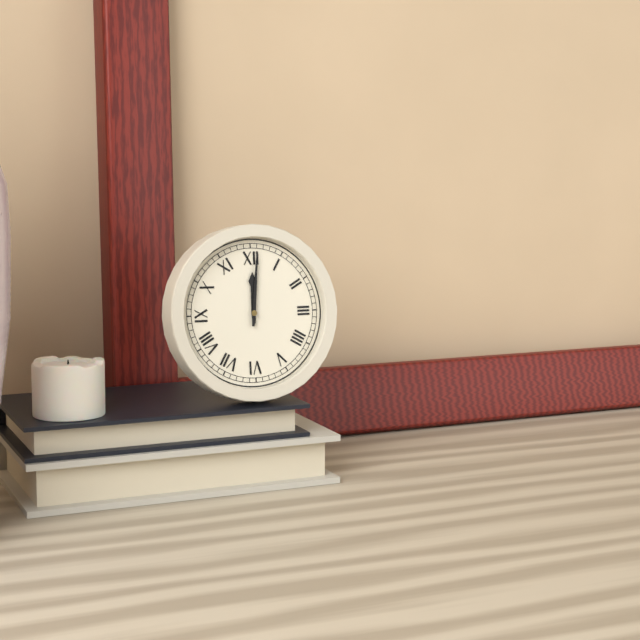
12:01
